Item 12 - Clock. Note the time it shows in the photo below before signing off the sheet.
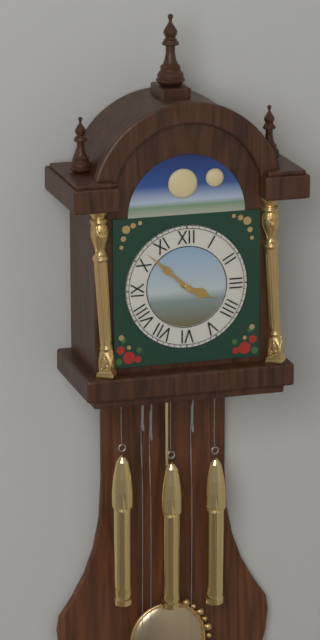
3:52
